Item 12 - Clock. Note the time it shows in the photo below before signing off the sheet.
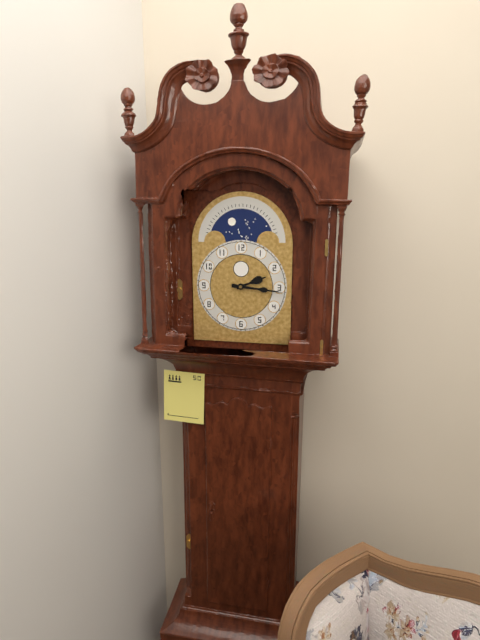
2:16
